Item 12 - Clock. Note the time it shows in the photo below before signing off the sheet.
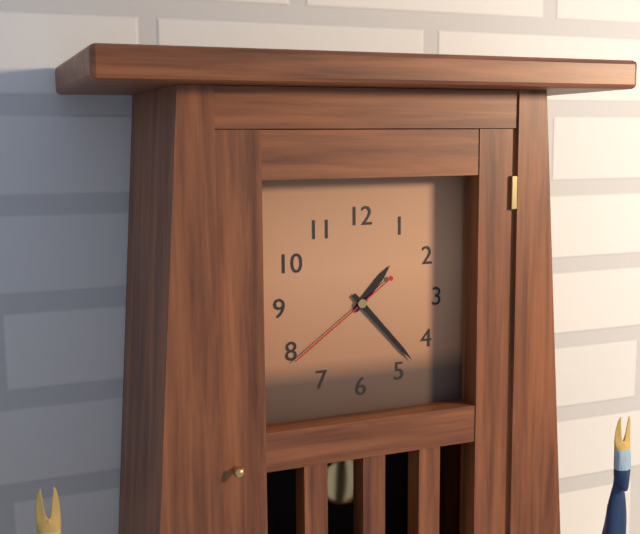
1:23:39
